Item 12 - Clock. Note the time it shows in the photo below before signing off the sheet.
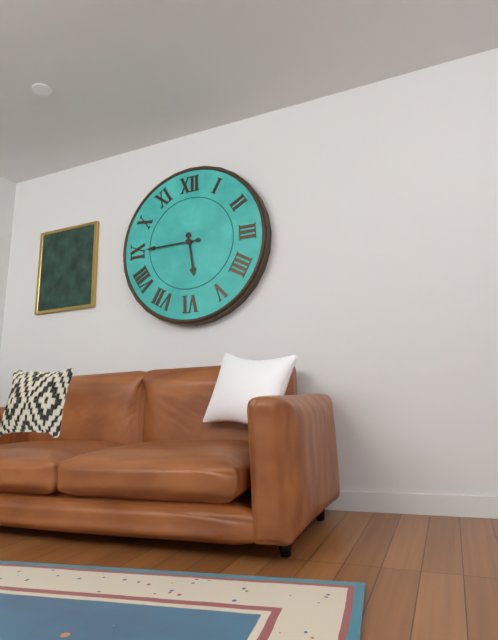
5:45
